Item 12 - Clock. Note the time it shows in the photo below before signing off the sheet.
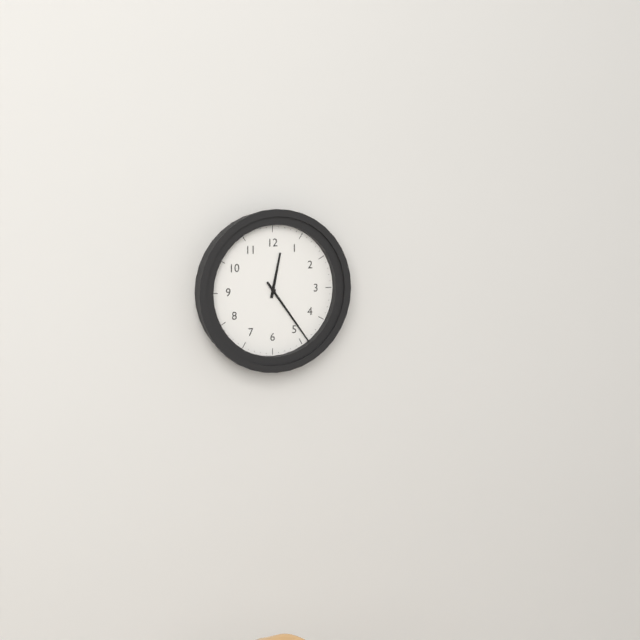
12:24
